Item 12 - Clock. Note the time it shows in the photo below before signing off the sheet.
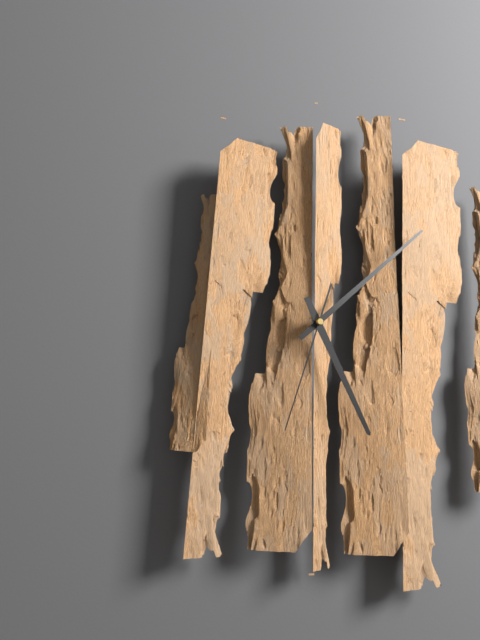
5:08:33
